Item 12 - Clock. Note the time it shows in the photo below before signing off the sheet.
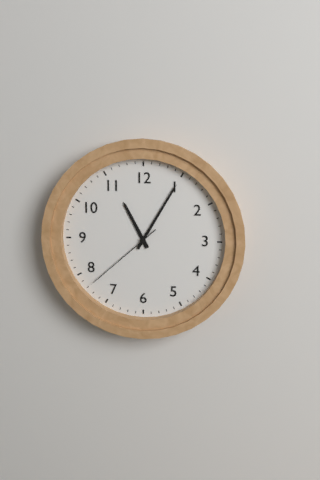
11:05:38
